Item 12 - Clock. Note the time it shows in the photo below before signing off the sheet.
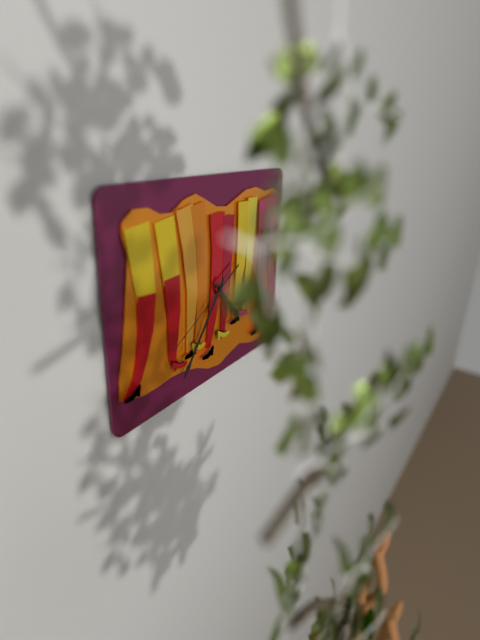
4:36:40
